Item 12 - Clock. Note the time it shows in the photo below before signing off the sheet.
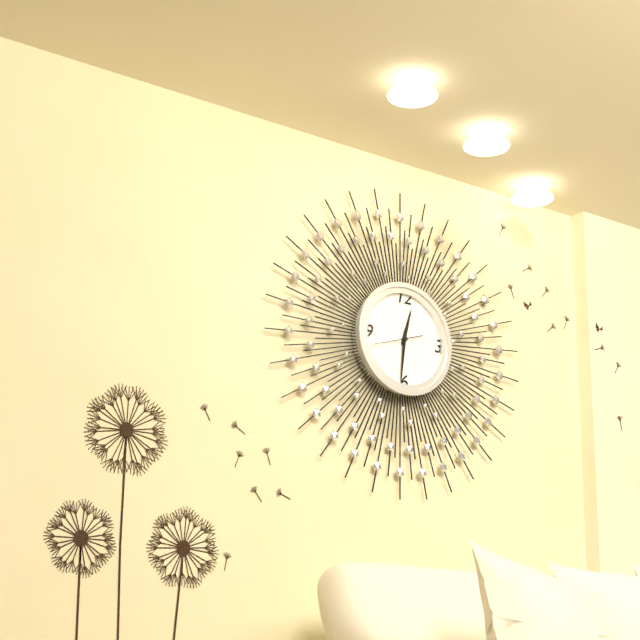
12:31
